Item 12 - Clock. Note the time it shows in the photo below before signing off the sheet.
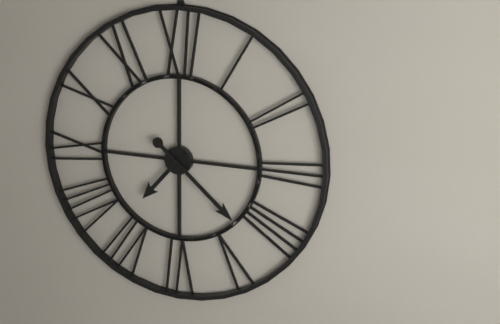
7:22
